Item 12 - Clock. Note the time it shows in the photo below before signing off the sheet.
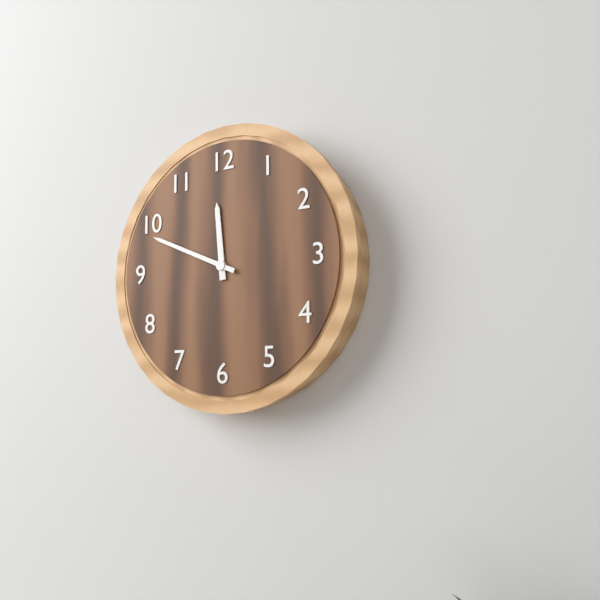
11:49
